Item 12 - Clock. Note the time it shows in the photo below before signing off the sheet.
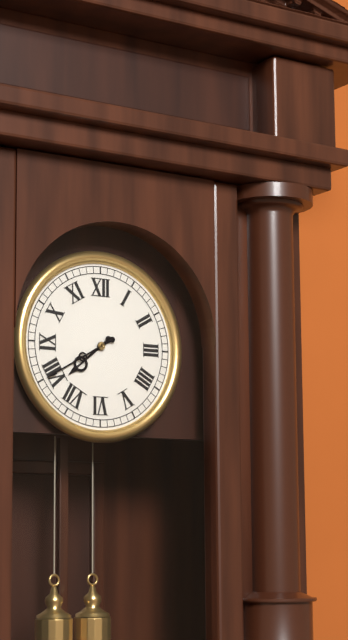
7:40
